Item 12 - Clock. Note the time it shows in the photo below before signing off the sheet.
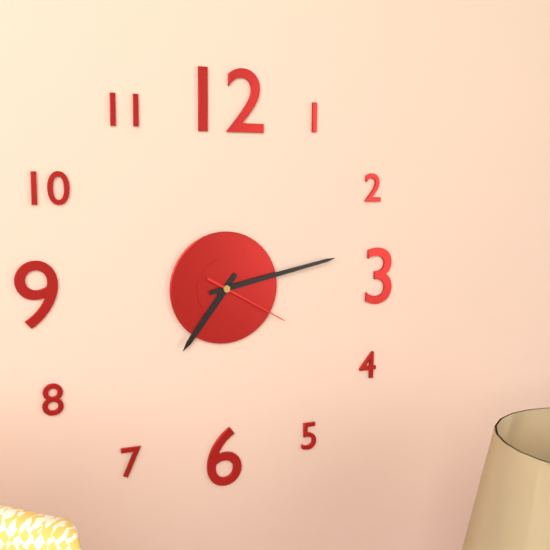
7:13:20
